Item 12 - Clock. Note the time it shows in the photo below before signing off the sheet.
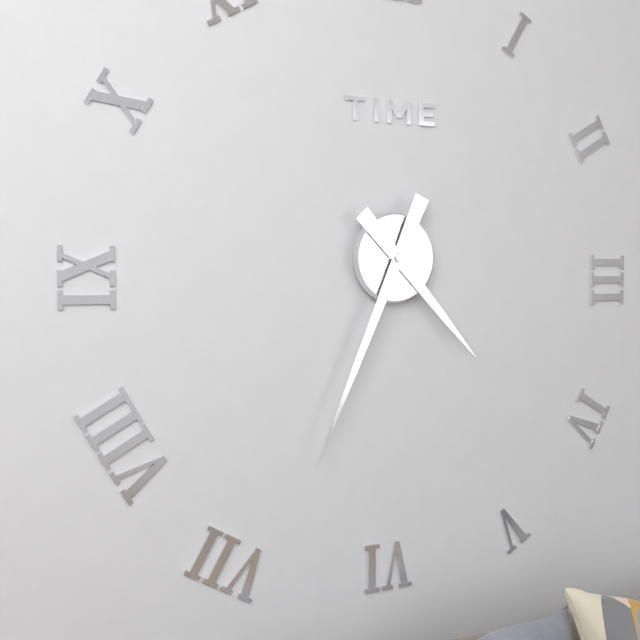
4:34
